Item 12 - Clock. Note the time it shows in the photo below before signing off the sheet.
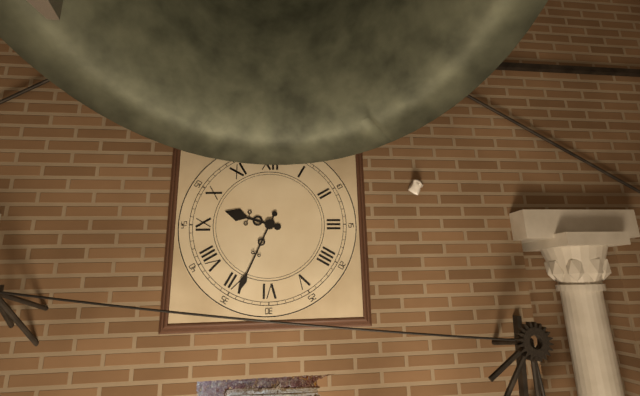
9:34
